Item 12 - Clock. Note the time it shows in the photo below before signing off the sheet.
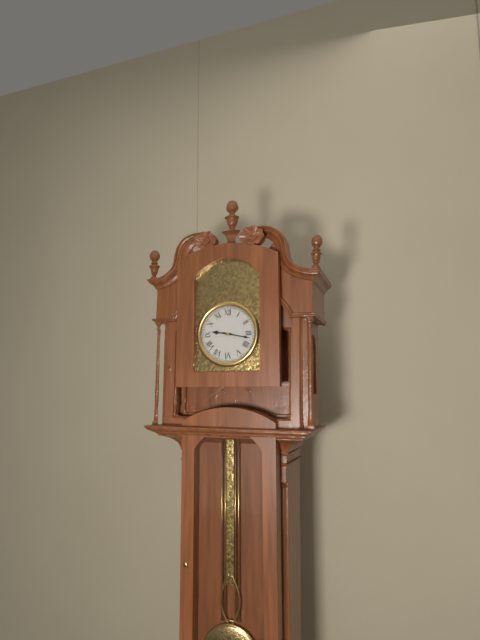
9:17
